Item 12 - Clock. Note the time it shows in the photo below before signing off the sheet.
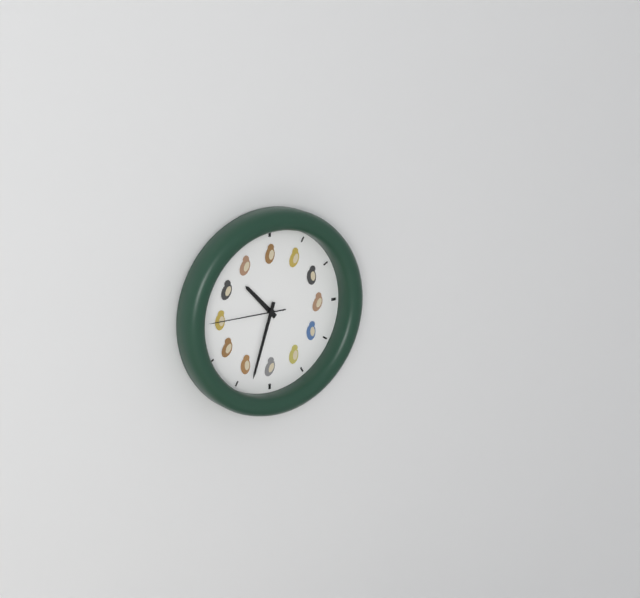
10:33:45
